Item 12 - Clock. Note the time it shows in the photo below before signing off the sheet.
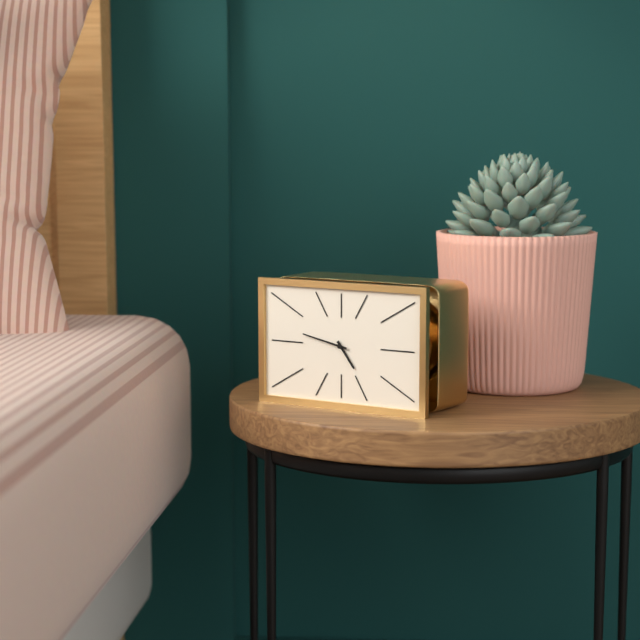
4:47
